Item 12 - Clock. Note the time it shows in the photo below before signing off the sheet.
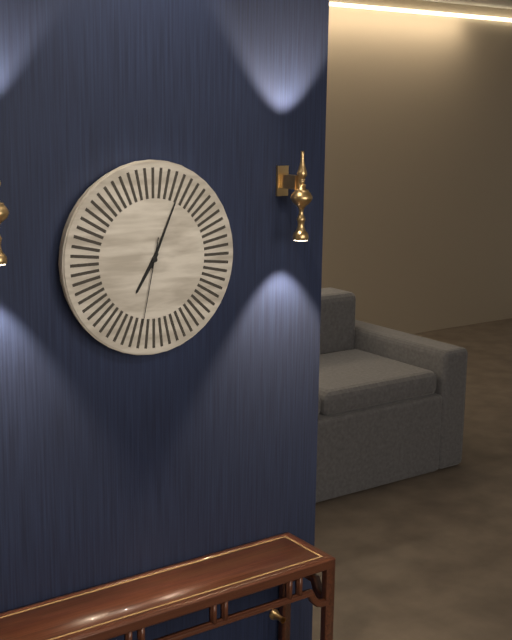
7:04:32
